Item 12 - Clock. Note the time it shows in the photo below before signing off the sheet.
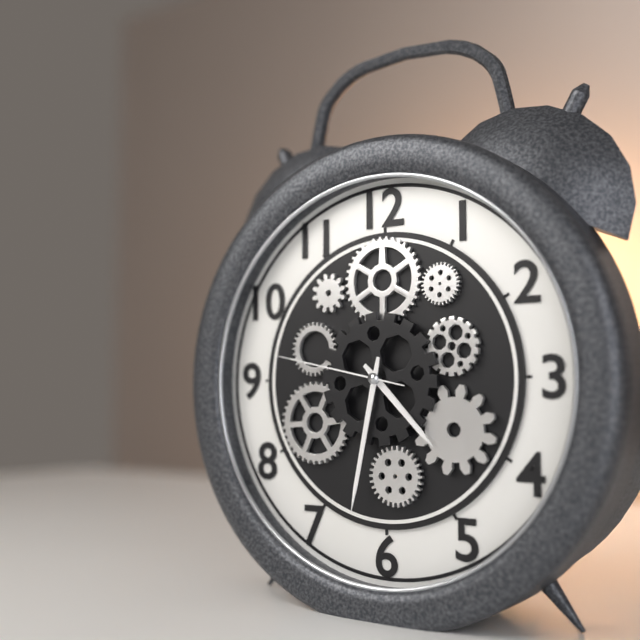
4:32:47
